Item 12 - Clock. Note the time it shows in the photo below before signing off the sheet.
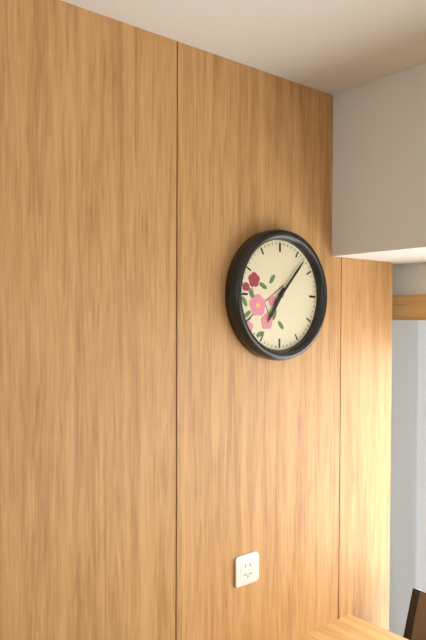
7:07
